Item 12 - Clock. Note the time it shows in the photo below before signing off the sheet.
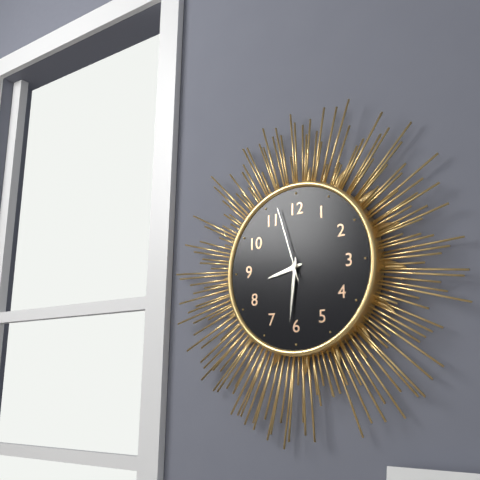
8:31:57
